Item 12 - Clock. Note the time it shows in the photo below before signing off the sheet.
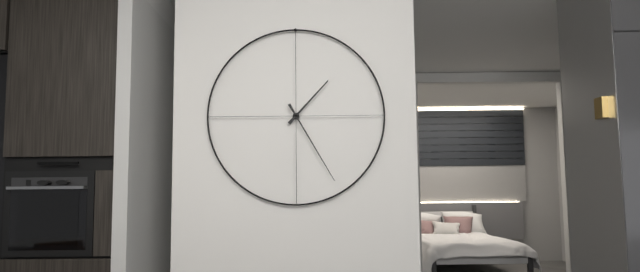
1:25
